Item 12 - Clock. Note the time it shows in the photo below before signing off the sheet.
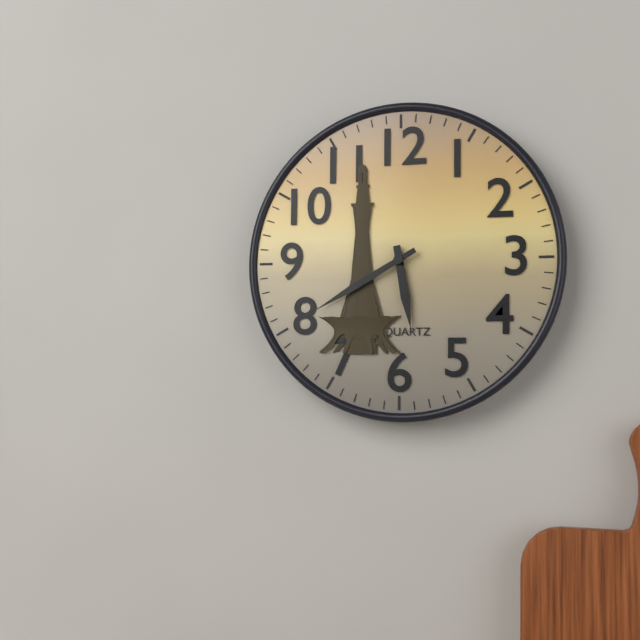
5:40
